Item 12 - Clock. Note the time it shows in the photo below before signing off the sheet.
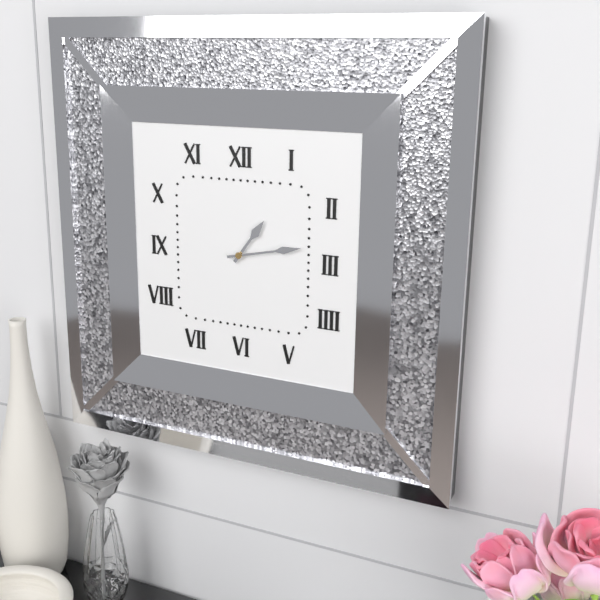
1:13
